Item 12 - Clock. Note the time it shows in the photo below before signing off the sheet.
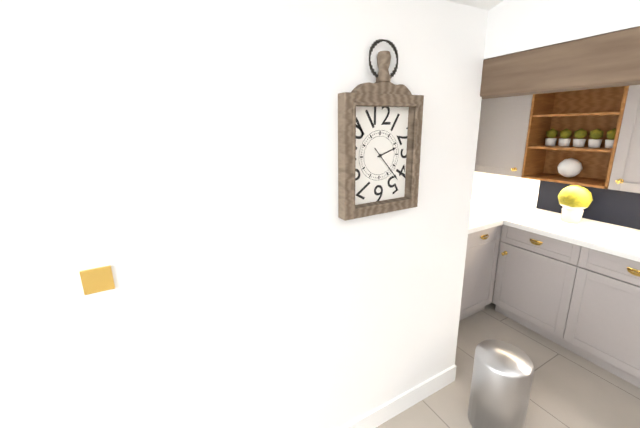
2:23
